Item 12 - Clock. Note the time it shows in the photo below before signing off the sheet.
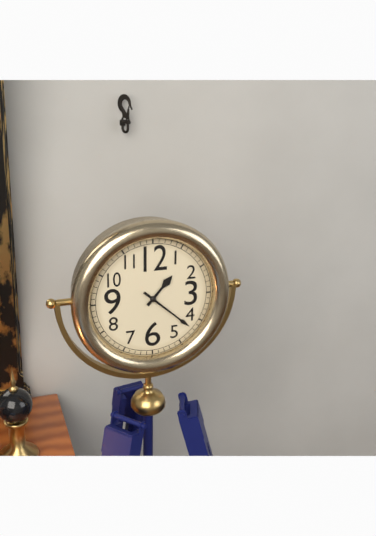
1:22
